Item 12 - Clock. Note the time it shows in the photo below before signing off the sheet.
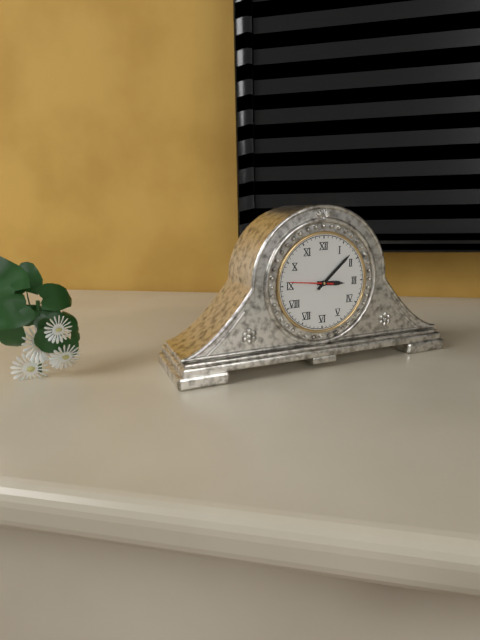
3:08
